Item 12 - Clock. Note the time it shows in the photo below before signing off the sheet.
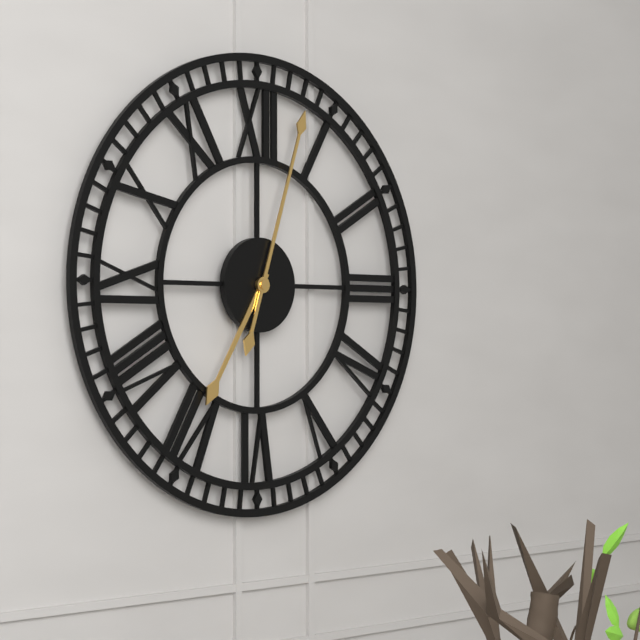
7:03
